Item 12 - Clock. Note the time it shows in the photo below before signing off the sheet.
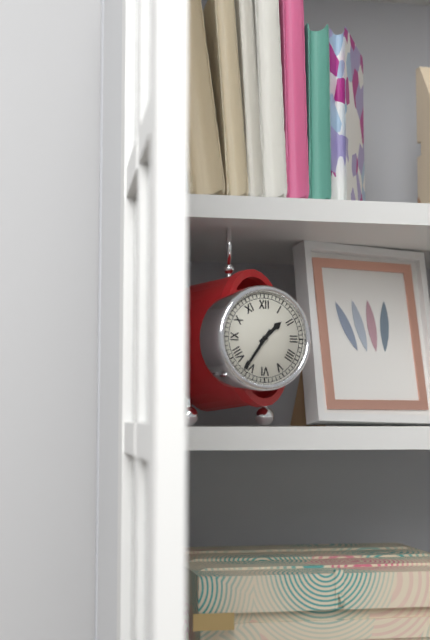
1:36
